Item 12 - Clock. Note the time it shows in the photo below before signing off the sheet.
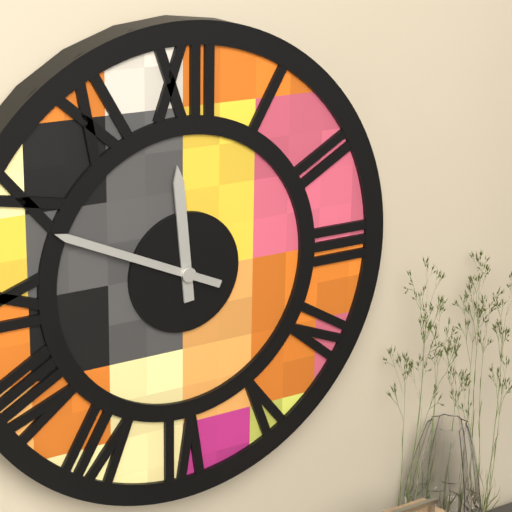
11:49
